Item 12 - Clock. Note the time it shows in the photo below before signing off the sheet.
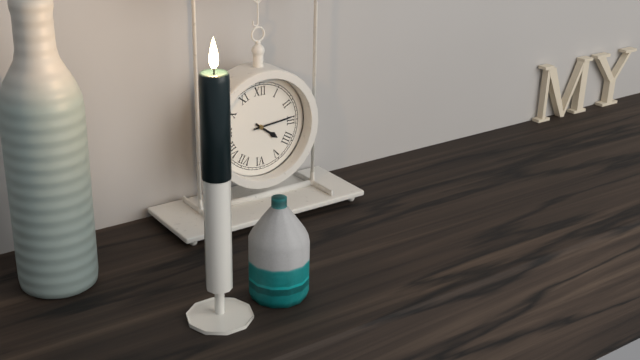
4:14
